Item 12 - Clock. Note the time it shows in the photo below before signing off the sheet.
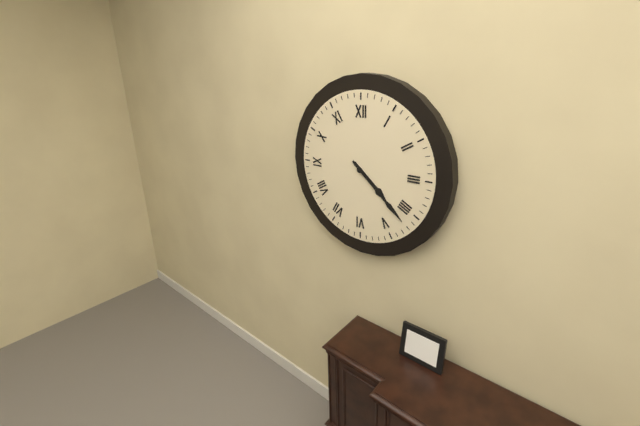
4:22
